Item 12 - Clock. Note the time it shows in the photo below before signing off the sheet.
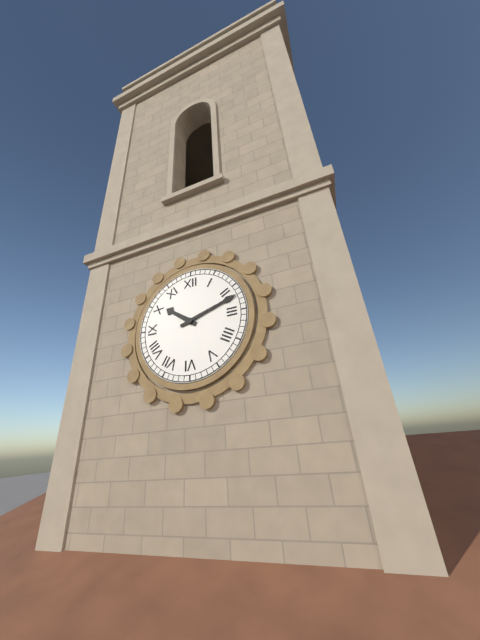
10:12
